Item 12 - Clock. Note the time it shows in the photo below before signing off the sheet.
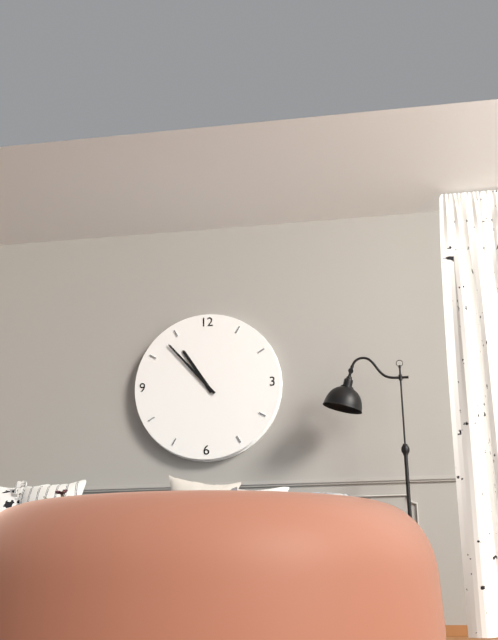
10:53
